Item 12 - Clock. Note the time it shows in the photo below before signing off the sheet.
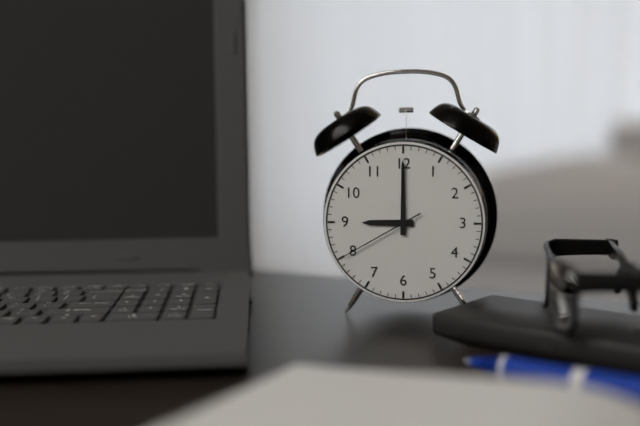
9:00:40
